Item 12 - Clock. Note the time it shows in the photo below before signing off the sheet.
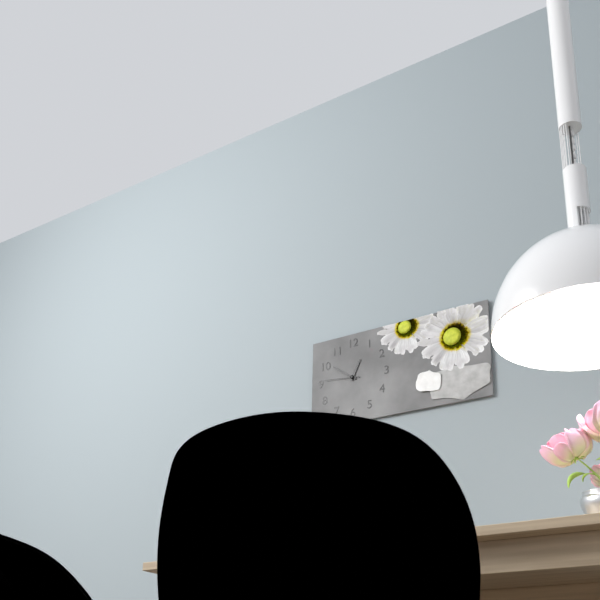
12:51
